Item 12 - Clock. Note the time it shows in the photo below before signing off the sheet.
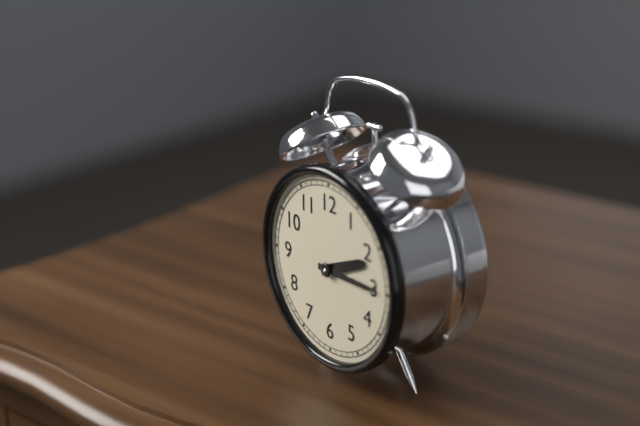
2:15
